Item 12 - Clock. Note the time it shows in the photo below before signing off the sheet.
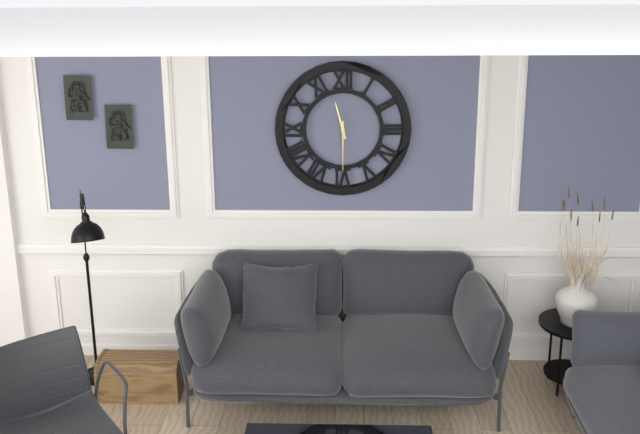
11:30
